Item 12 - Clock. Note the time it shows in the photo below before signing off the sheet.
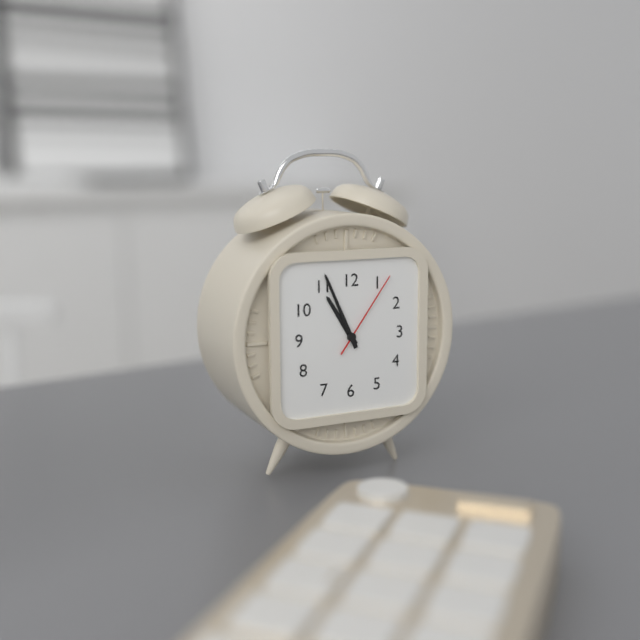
10:56:06
